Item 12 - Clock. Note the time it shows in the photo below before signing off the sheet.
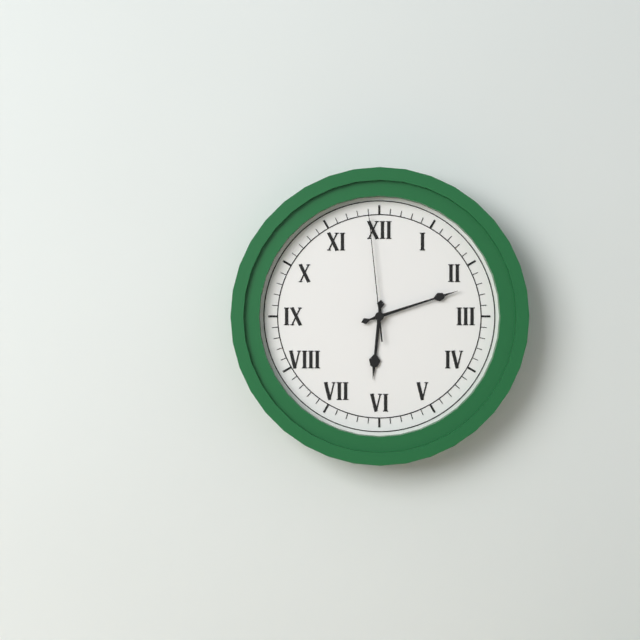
6:12:59
